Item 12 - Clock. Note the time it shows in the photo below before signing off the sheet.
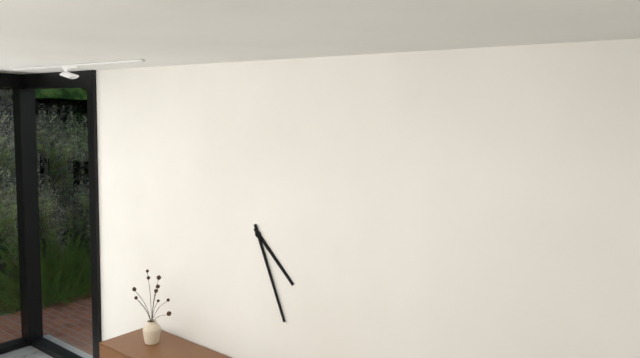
4:26
